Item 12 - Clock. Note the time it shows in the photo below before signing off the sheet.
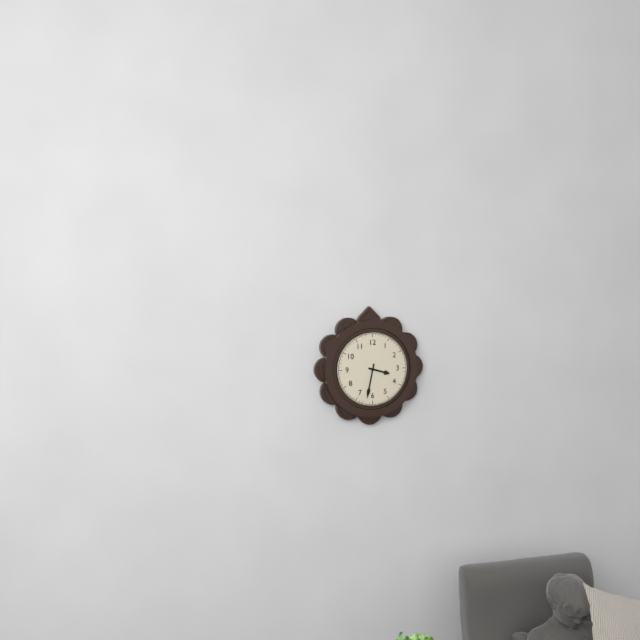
3:32
